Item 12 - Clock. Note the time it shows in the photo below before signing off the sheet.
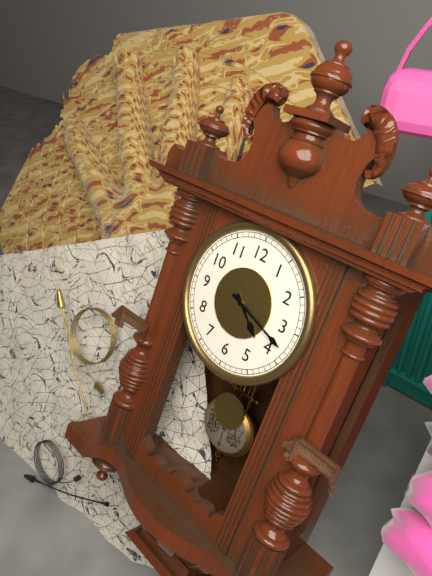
4:18
